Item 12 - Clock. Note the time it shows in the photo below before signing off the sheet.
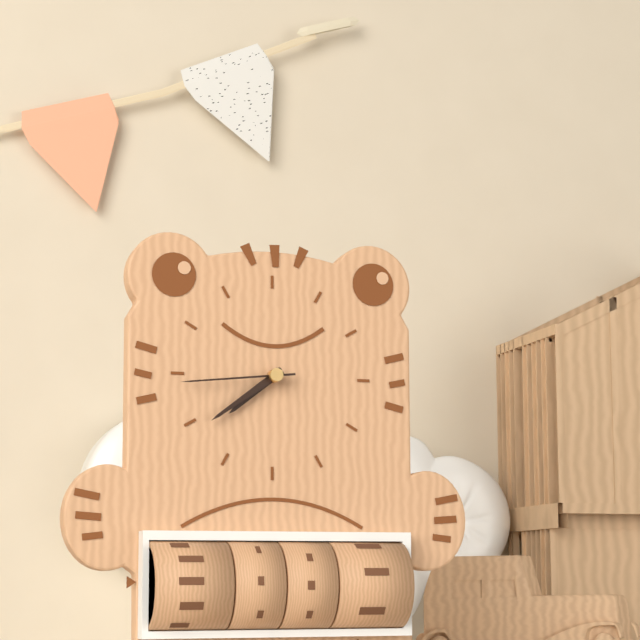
7:39:44
